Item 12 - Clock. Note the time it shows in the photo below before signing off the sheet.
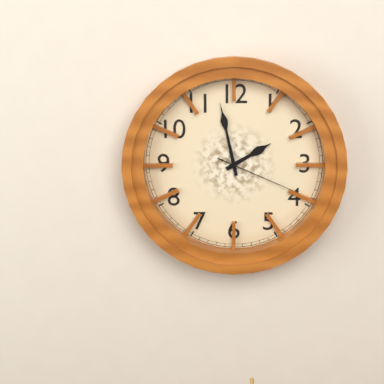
1:58:19
